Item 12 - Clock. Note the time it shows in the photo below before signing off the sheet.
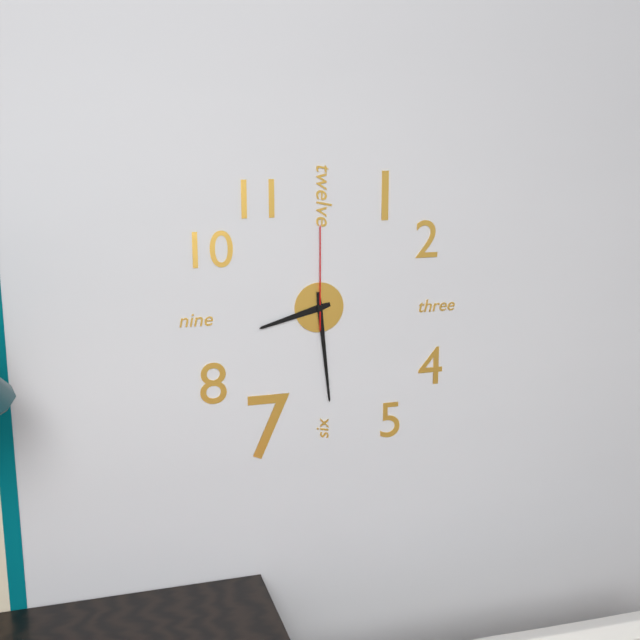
8:29:00
